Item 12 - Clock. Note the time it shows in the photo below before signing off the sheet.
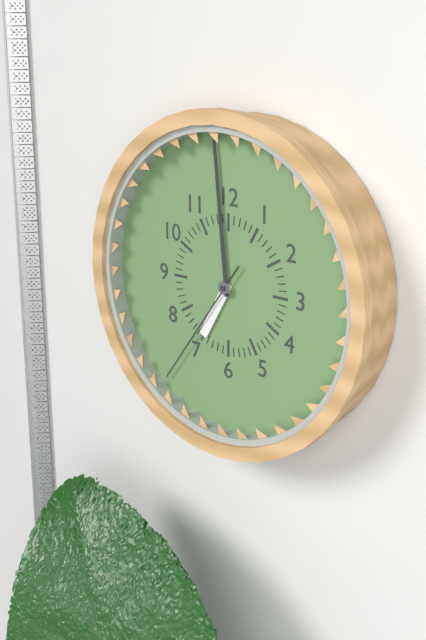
6:59:36
